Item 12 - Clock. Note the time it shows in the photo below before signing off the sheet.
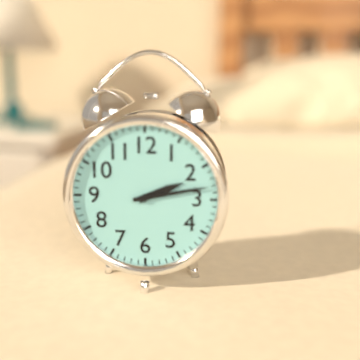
2:13
